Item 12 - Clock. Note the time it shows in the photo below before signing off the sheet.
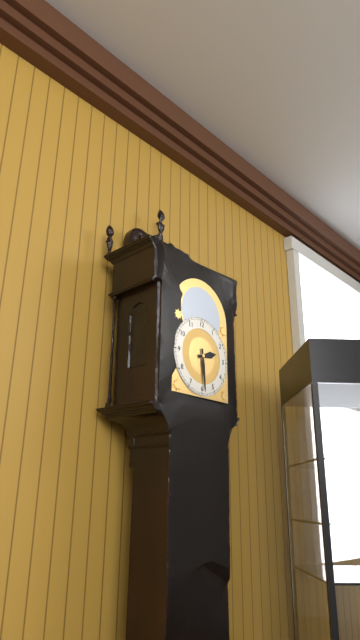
2:29
